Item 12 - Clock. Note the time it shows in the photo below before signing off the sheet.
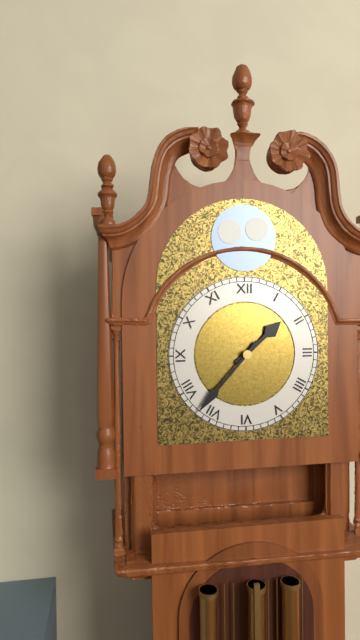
1:37
